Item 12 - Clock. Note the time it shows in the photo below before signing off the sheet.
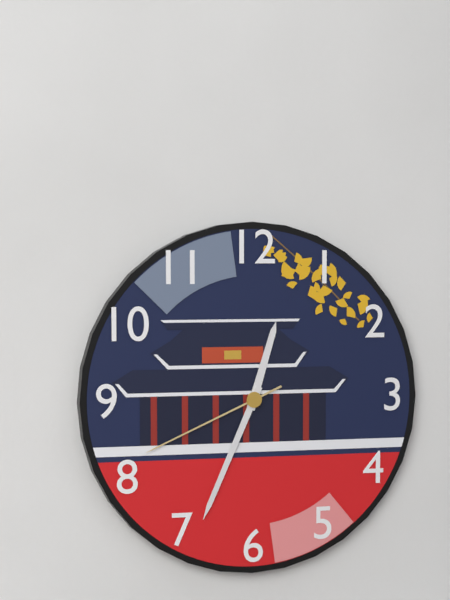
12:34:41
